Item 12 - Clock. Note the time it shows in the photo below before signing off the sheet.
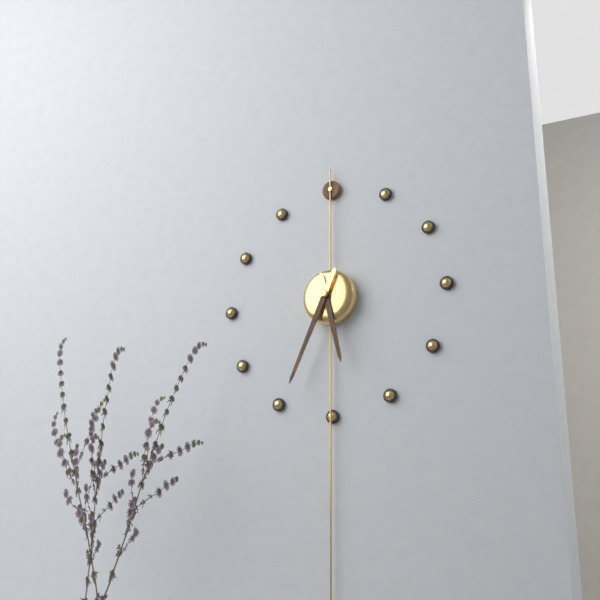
5:34
